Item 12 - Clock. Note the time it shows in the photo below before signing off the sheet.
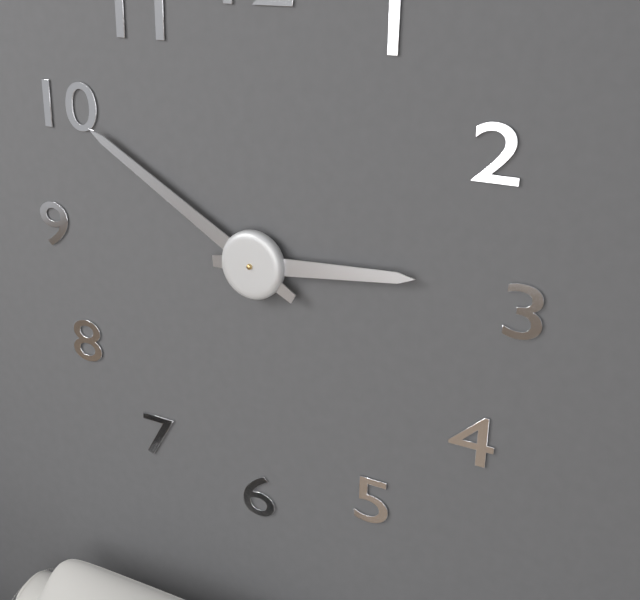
2:50
